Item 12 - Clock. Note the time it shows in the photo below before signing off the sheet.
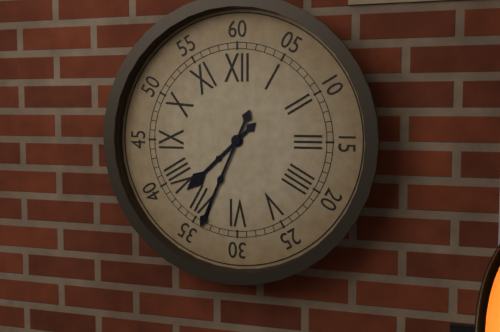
7:34
